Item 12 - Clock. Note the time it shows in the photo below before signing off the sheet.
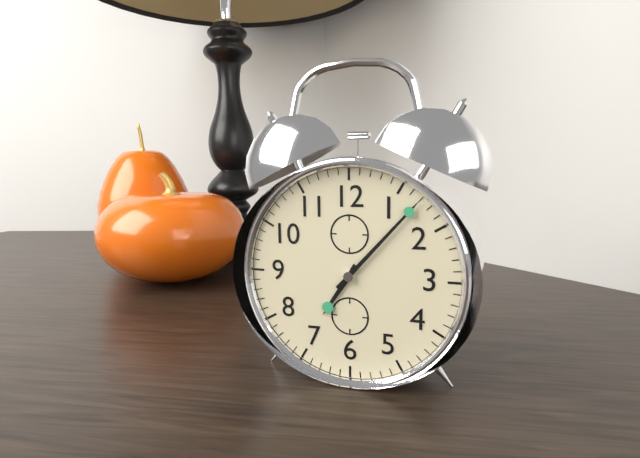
7:07
